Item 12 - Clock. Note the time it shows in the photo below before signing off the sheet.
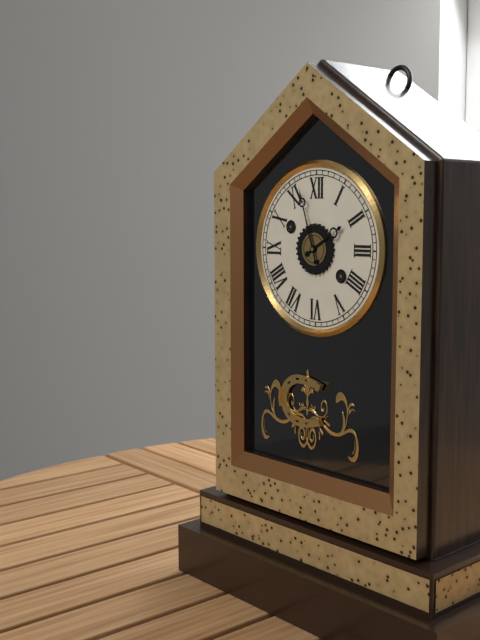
1:57
